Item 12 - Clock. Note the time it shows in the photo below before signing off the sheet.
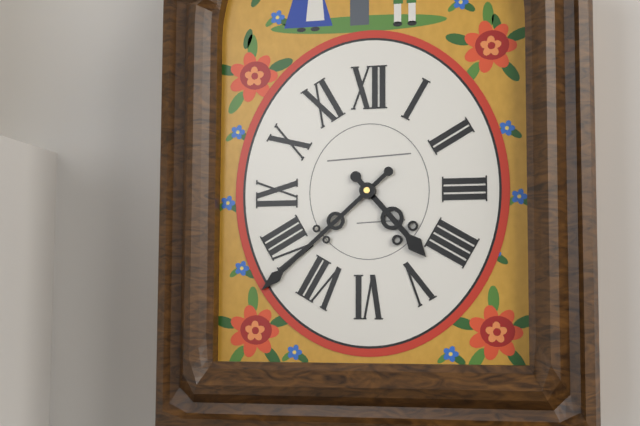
4:38
